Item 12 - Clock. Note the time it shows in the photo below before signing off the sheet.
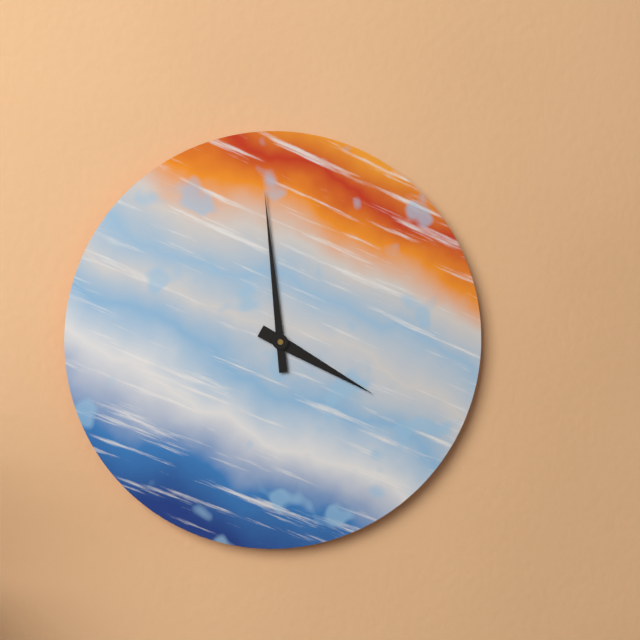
3:59
